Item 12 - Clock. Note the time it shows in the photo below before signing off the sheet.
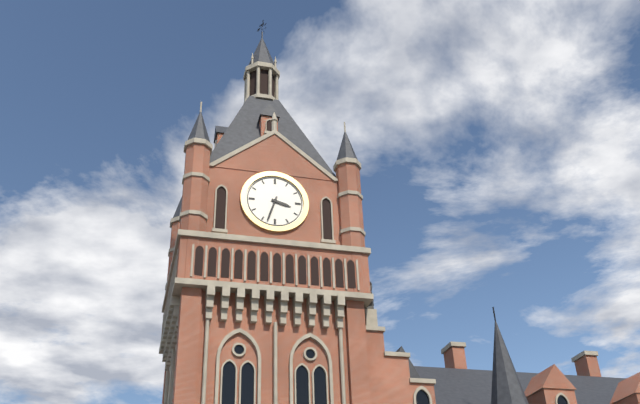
3:33
